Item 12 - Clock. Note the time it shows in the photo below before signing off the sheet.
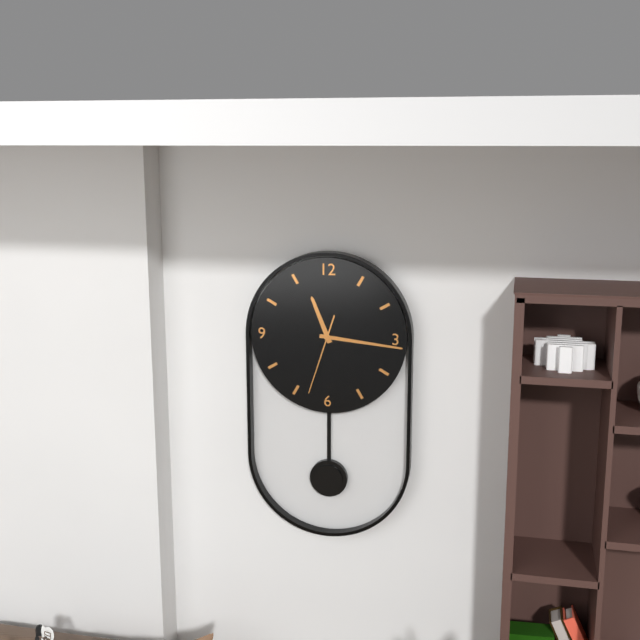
11:16:33
